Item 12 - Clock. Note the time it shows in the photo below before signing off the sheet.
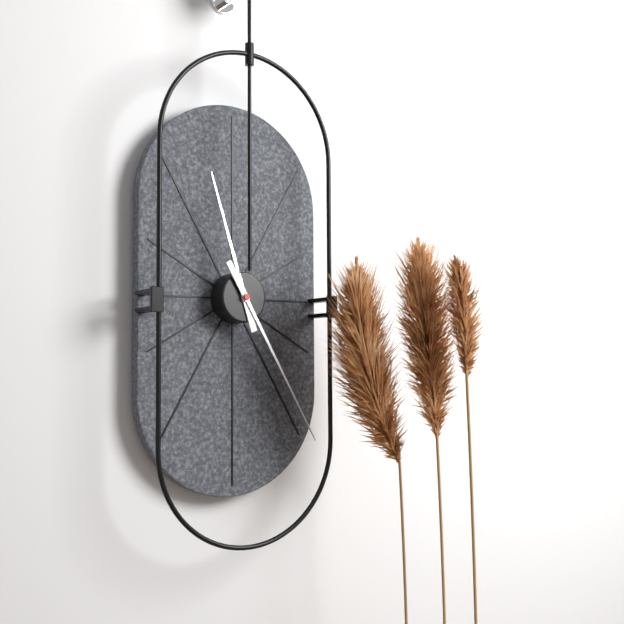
11:25
